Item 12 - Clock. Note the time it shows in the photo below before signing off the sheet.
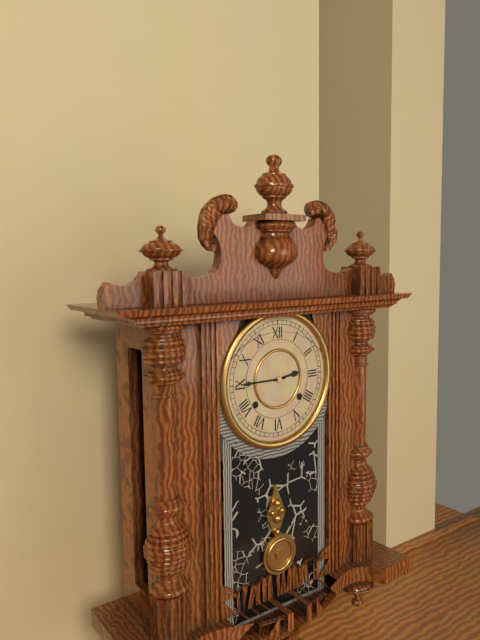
2:45
